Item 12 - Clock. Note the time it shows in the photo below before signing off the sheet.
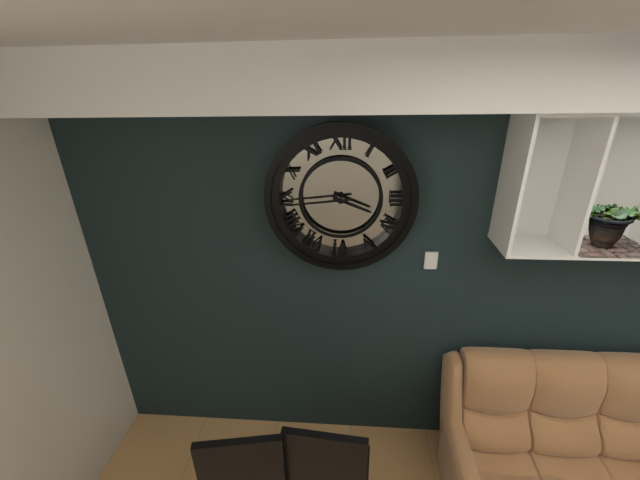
3:44
